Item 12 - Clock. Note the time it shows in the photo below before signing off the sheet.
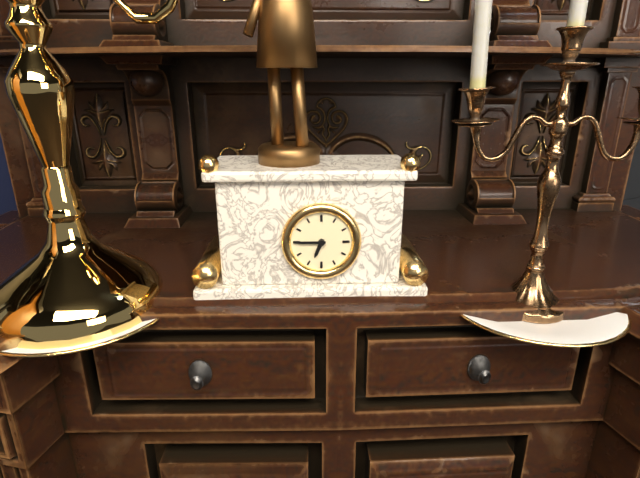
6:45
